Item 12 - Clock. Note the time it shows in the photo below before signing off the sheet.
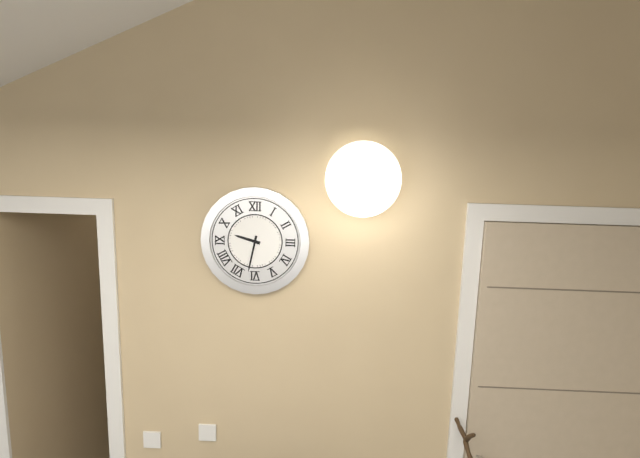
9:32
